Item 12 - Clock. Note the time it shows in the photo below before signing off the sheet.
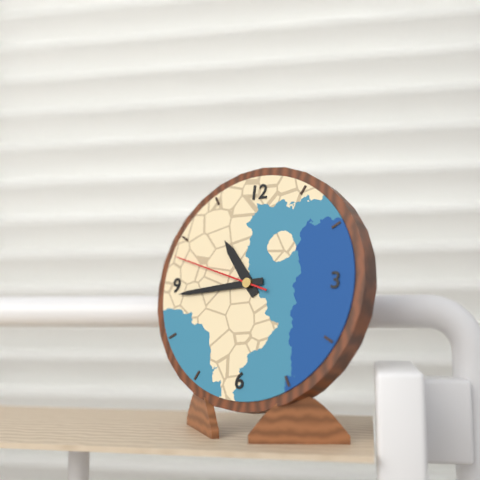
10:44:48
